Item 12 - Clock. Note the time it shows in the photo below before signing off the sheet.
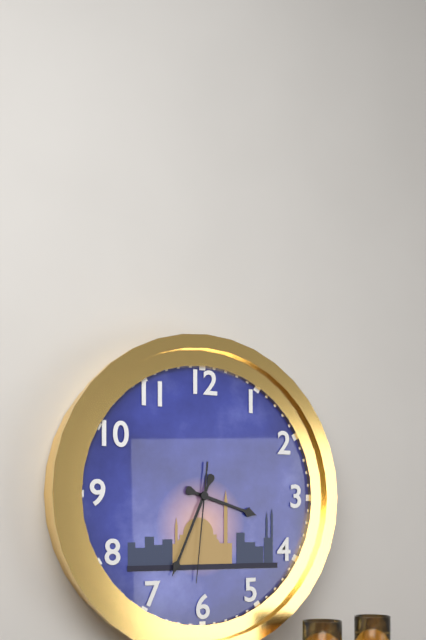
3:34:31
